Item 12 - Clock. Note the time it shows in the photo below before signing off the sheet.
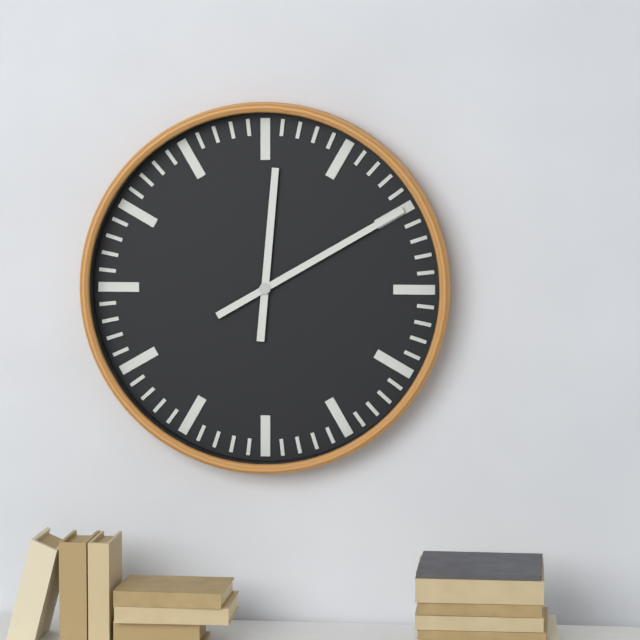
12:10
